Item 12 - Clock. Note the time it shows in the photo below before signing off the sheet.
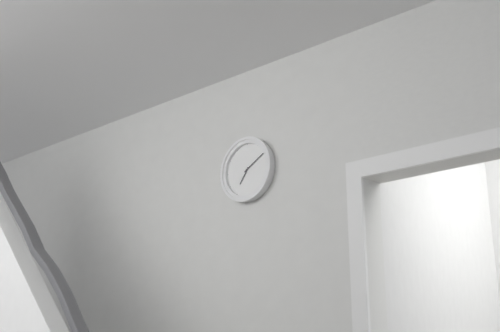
7:10
